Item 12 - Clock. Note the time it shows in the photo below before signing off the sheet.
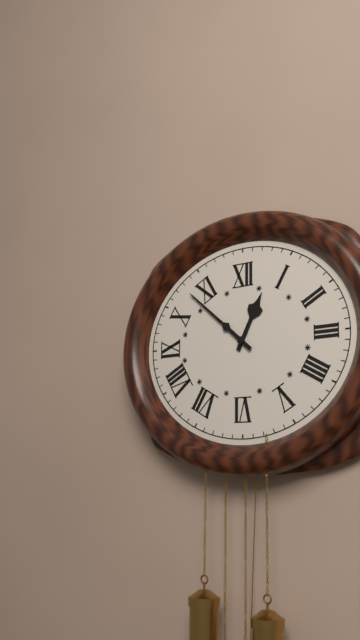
12:52
